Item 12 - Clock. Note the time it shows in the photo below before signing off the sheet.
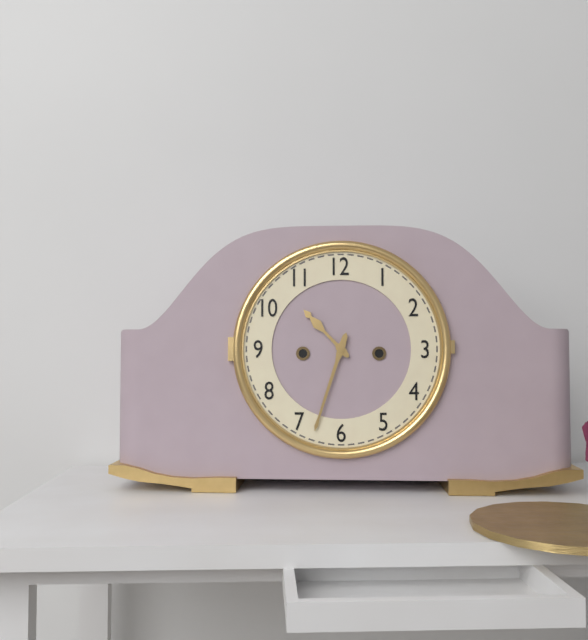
10:33
